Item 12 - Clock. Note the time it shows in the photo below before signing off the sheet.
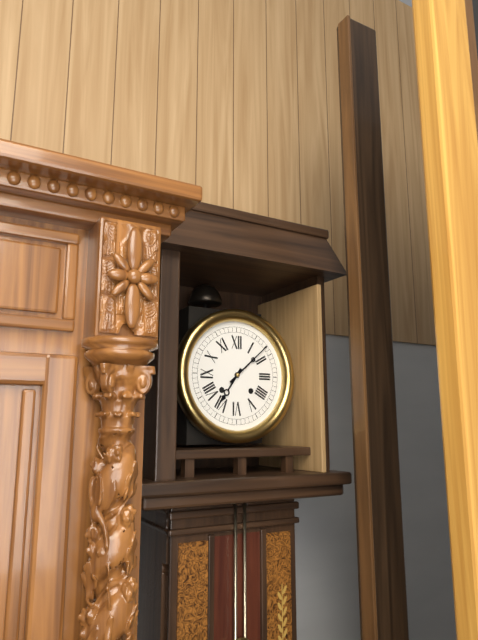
7:08
